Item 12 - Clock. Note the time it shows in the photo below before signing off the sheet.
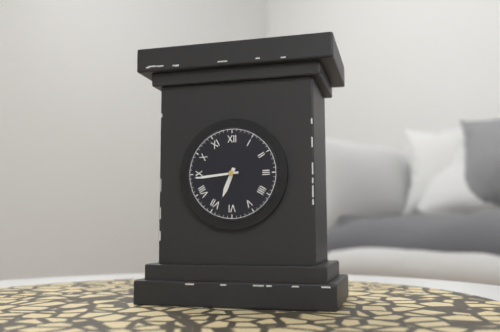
6:44
